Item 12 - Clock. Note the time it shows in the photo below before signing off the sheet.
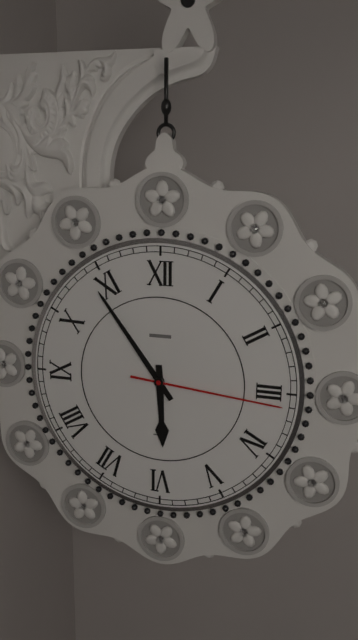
5:54:16
